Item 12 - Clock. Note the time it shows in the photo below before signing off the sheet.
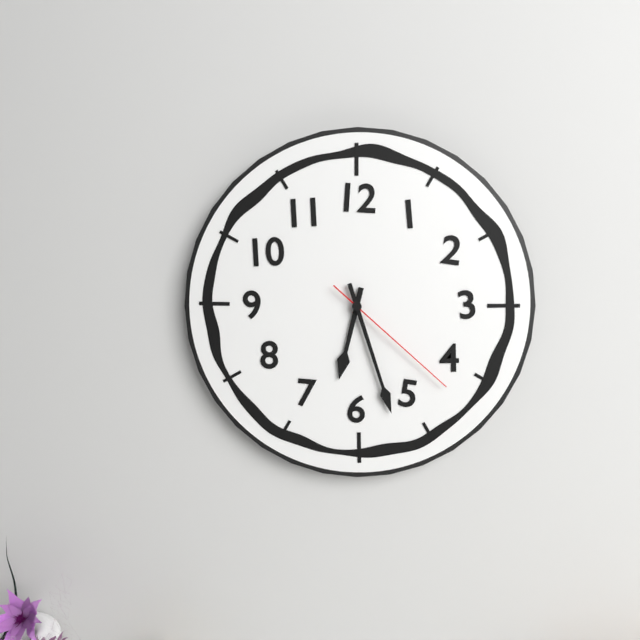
6:27:22
